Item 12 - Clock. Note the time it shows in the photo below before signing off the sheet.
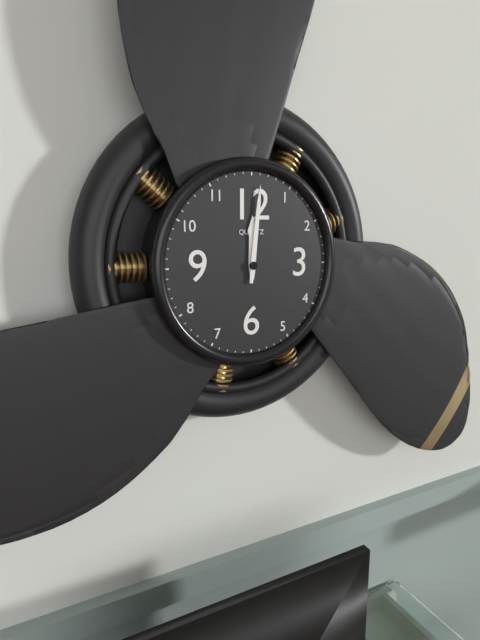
12:01
